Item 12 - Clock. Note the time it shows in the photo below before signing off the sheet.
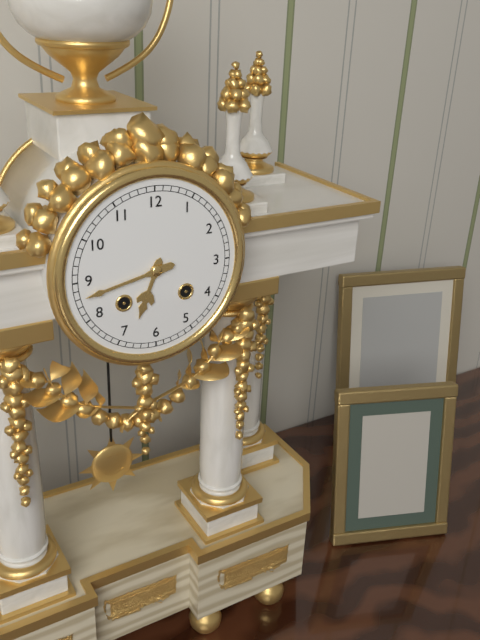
6:43
